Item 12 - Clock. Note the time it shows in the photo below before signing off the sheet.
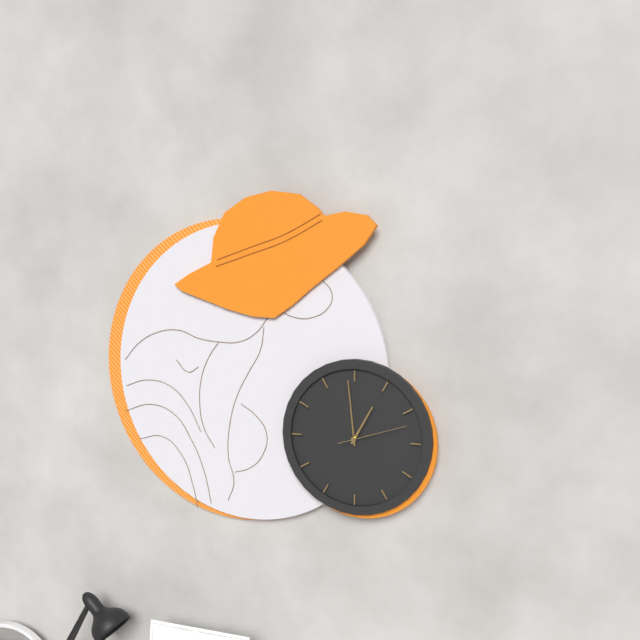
12:59:12
